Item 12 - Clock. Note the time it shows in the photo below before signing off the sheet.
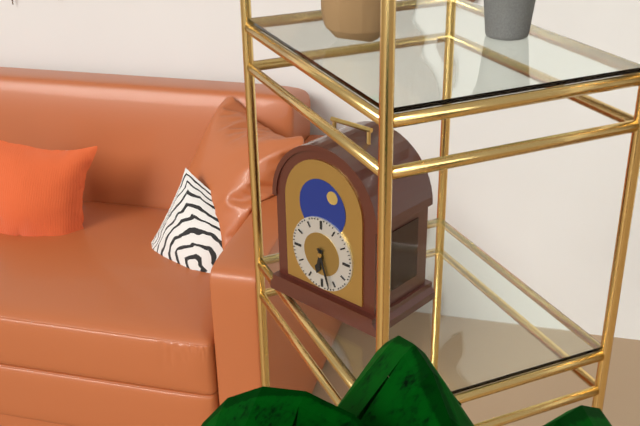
6:27
